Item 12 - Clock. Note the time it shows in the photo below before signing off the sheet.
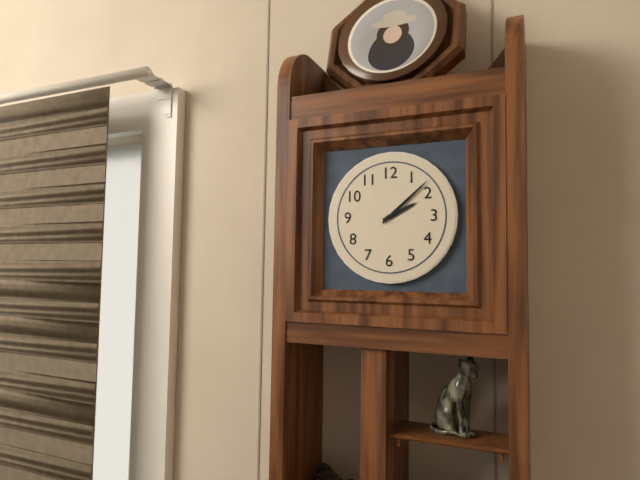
2:08
